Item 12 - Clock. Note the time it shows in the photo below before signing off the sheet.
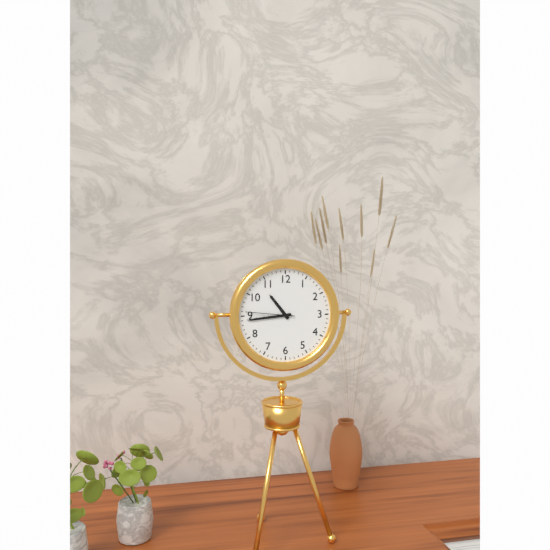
10:44:46
